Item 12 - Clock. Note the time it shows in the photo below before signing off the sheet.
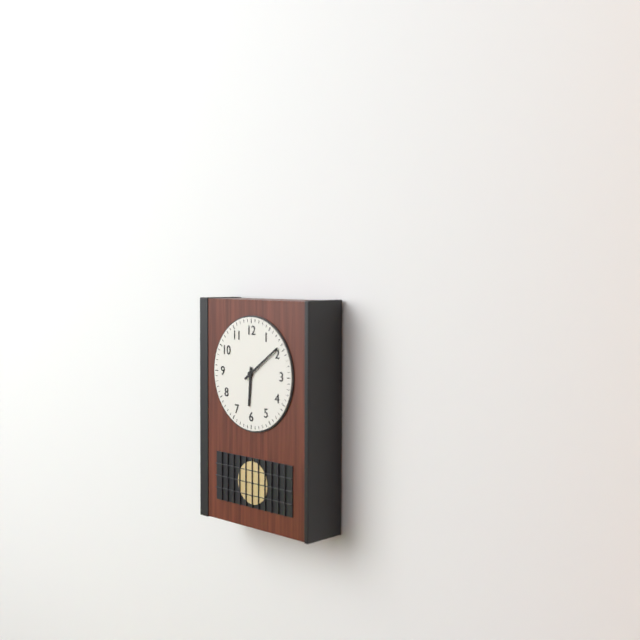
6:09
